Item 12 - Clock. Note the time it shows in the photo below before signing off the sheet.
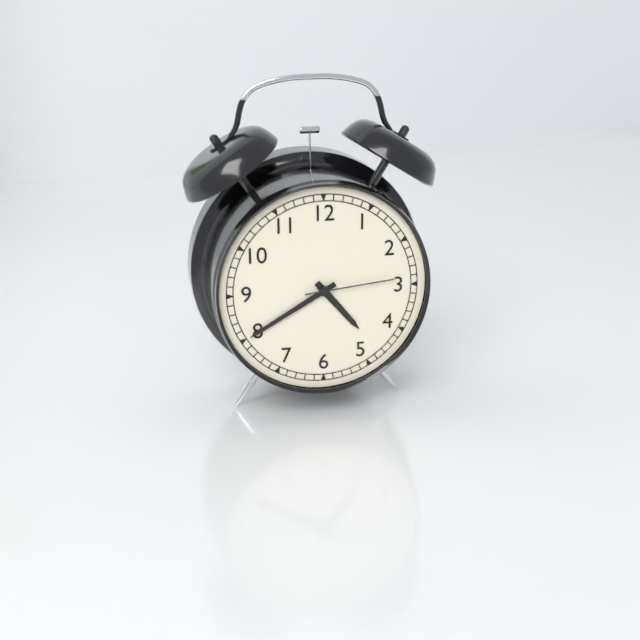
4:40:14
